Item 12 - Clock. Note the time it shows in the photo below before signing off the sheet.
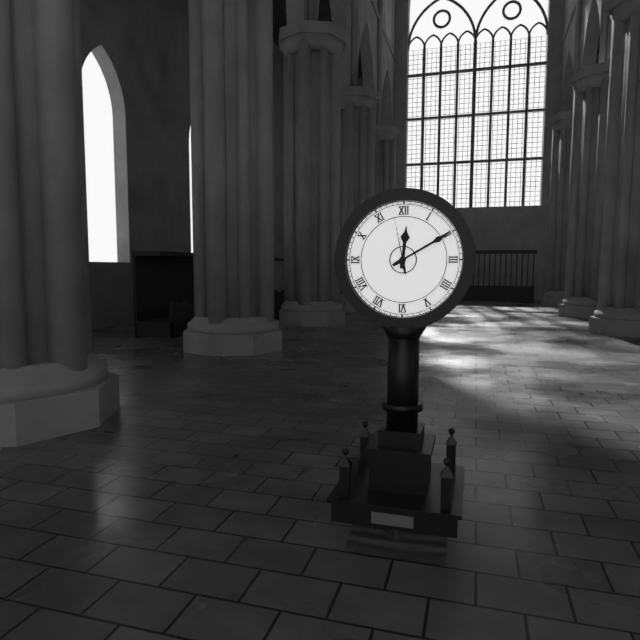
12:10:58
